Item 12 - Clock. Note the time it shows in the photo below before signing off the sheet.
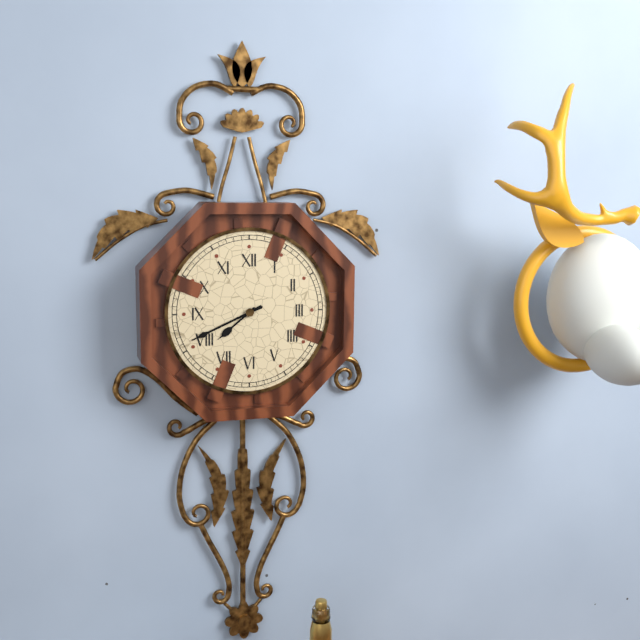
7:41
